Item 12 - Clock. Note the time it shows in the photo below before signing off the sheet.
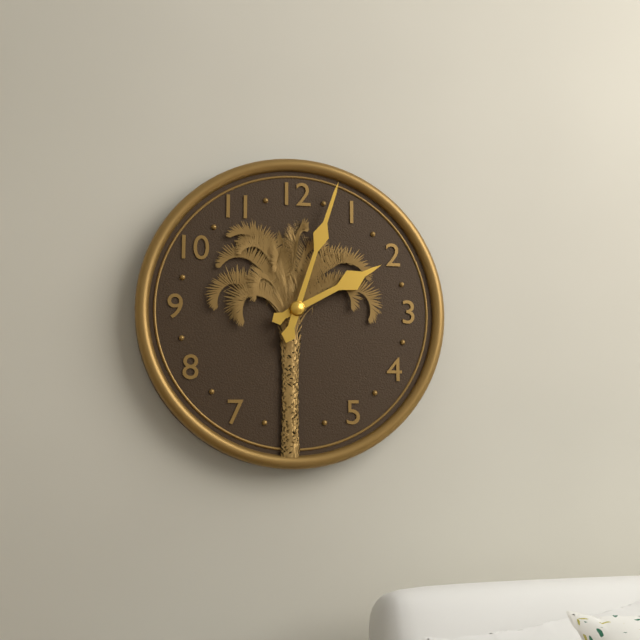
2:03
